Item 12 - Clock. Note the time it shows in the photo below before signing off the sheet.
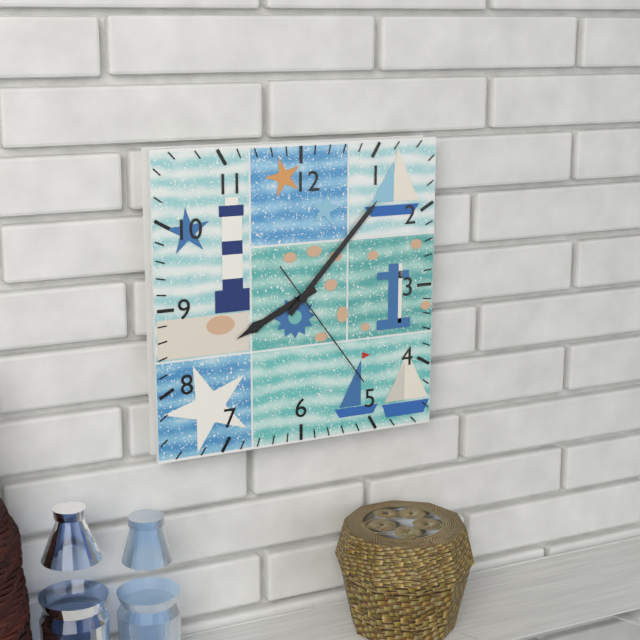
8:07:24
